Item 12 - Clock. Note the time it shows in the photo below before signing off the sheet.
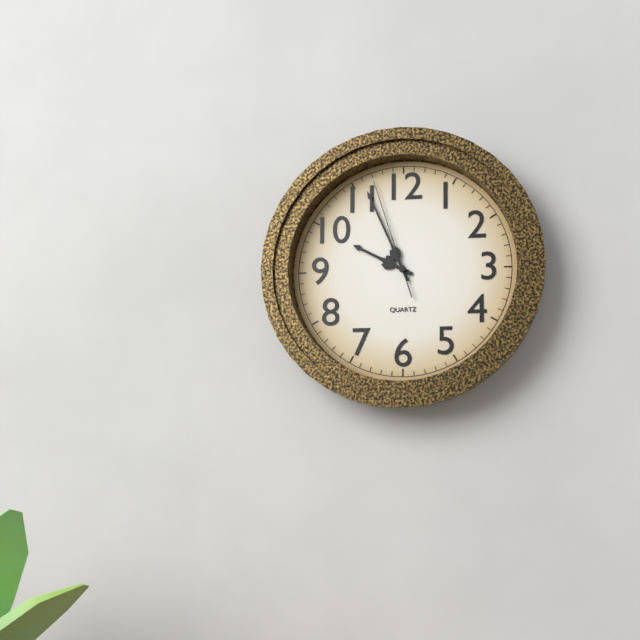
9:56:57
